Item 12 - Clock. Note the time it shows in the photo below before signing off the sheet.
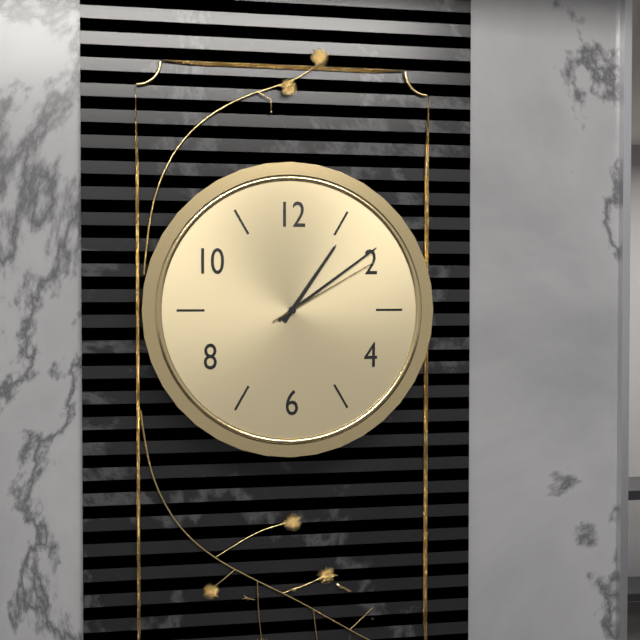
1:09:10
